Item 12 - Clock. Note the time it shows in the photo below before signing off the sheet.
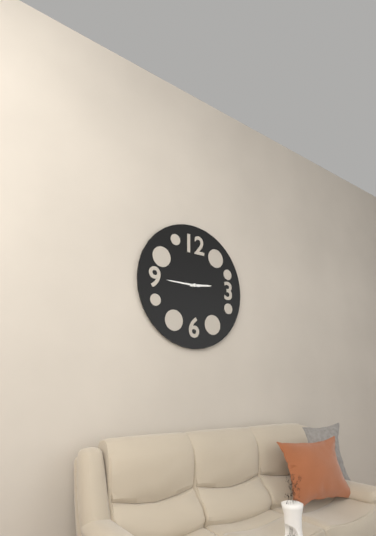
2:45
